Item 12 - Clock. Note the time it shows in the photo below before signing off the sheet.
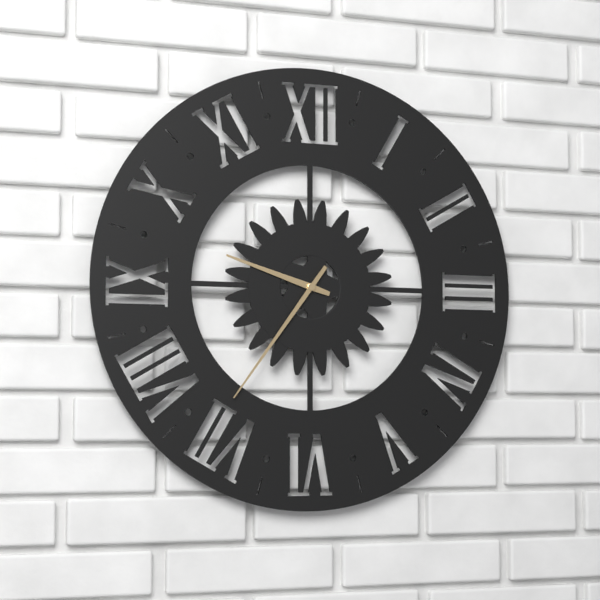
9:36
